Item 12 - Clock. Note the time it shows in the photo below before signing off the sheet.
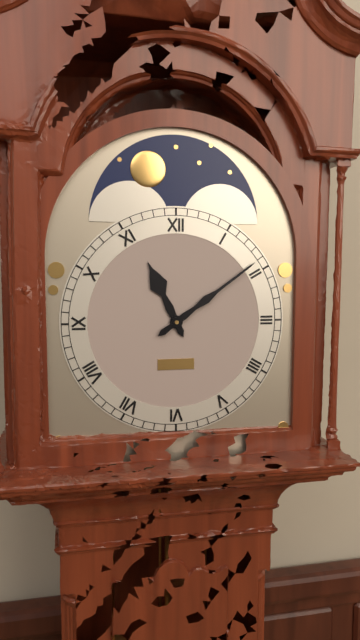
11:09
